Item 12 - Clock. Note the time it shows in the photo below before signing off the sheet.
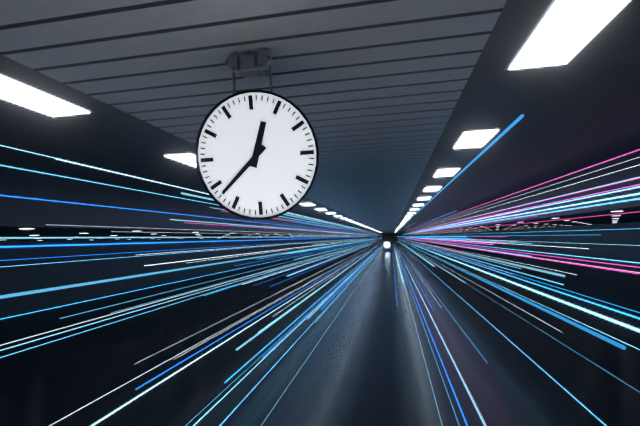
12:38
